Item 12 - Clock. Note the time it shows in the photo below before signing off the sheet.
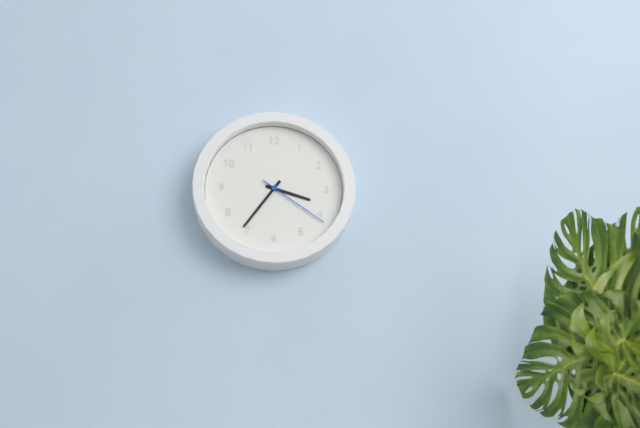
3:36:21
